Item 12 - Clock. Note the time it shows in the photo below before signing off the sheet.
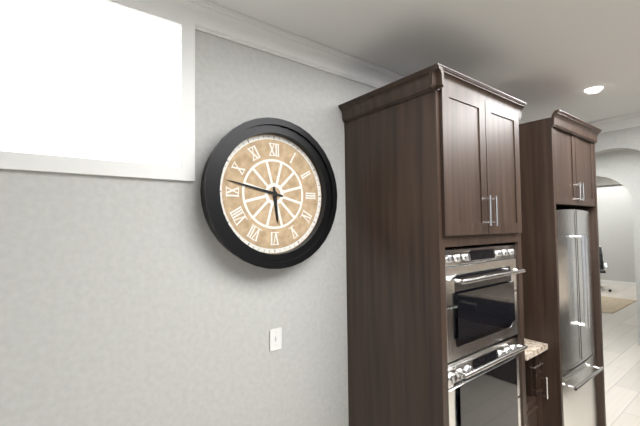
5:47
